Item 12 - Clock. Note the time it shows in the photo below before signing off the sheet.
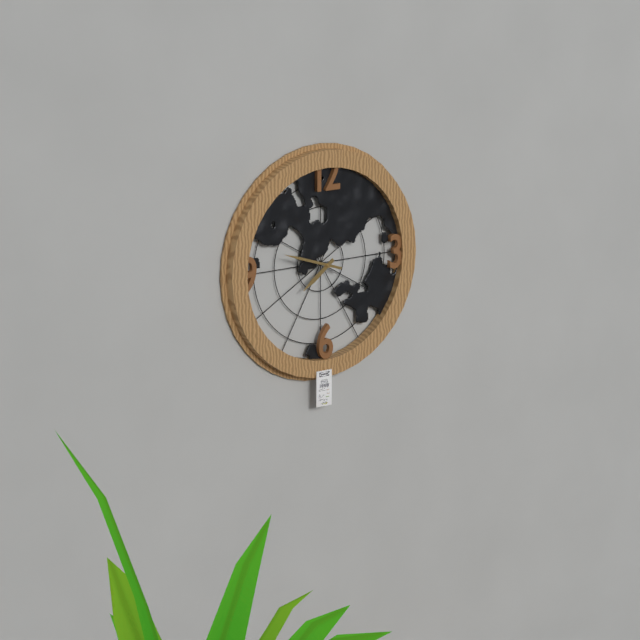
7:48
